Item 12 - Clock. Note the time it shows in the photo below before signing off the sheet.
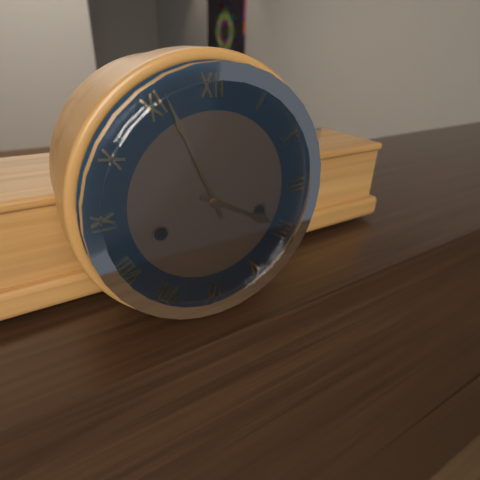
3:56
